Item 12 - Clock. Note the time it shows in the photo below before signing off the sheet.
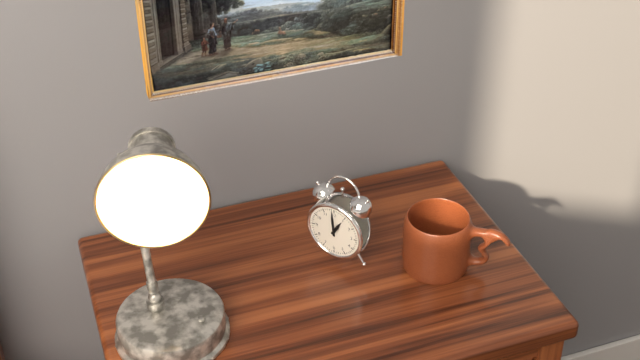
12:59
